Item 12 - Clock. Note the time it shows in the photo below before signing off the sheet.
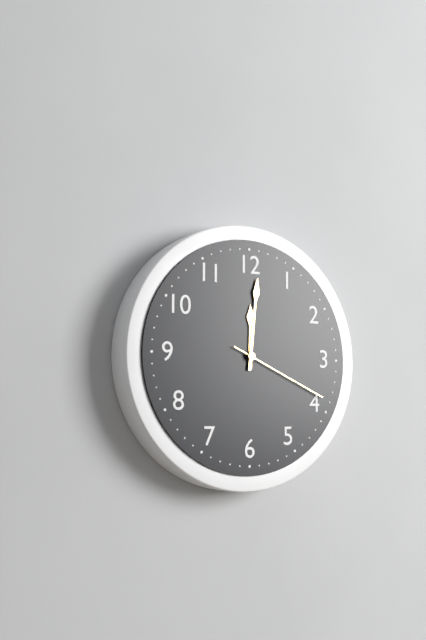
12:01:19
